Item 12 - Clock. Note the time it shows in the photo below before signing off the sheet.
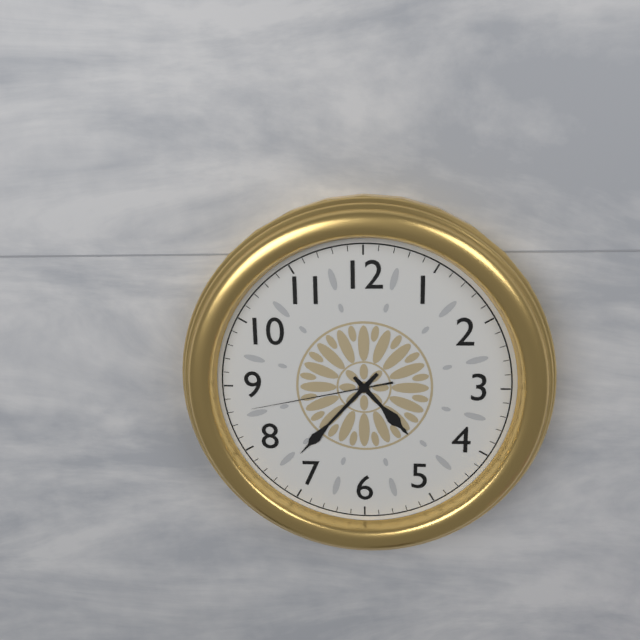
4:37:43
